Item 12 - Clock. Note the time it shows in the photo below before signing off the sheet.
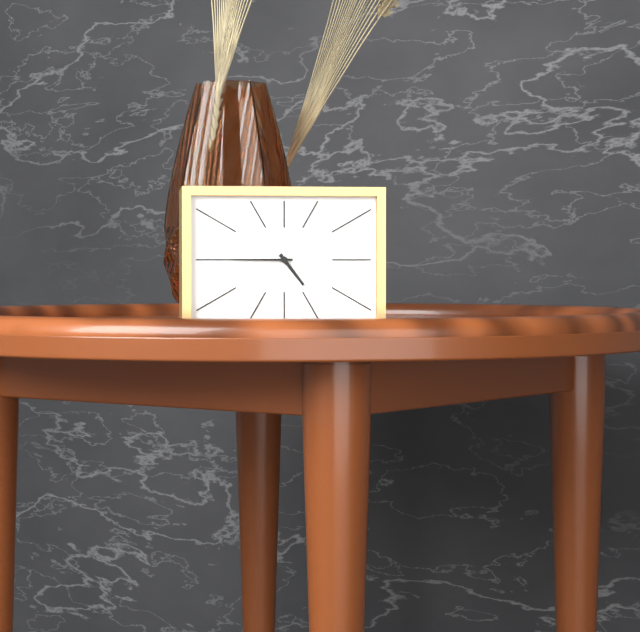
4:45
